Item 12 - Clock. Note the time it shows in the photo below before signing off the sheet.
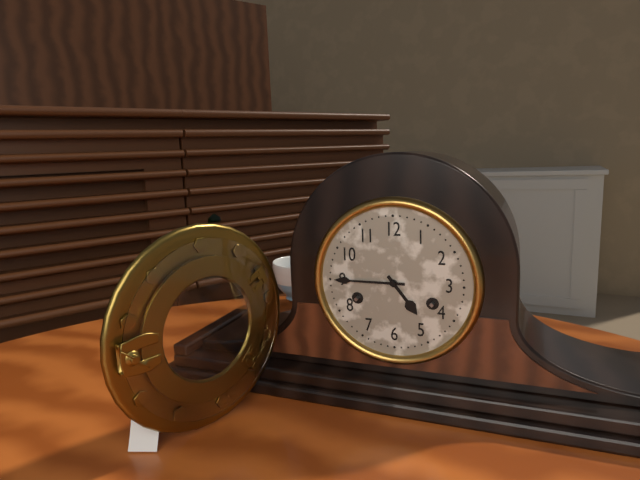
4:45
